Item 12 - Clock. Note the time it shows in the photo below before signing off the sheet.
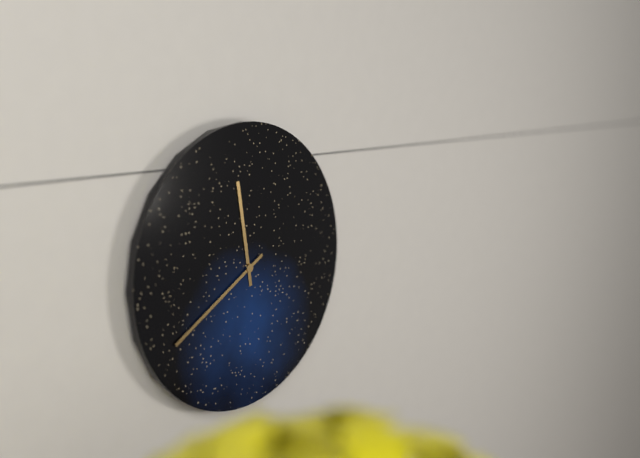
11:40
